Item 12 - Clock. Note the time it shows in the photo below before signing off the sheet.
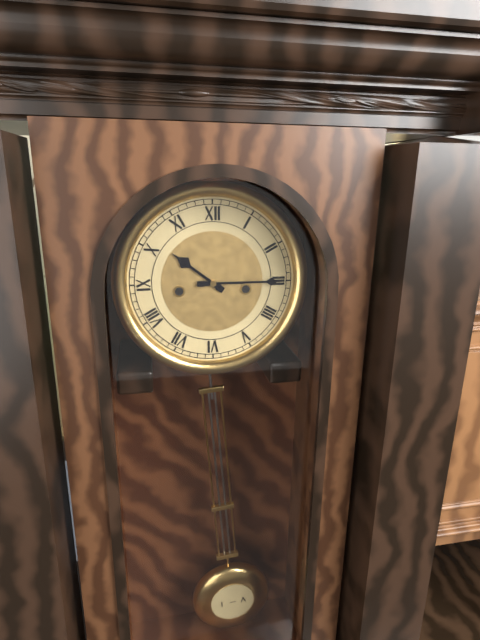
10:15
